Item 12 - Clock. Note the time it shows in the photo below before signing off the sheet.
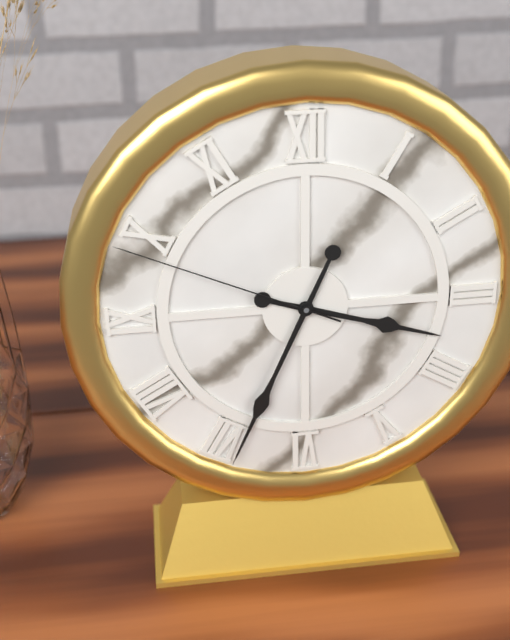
3:34:49
